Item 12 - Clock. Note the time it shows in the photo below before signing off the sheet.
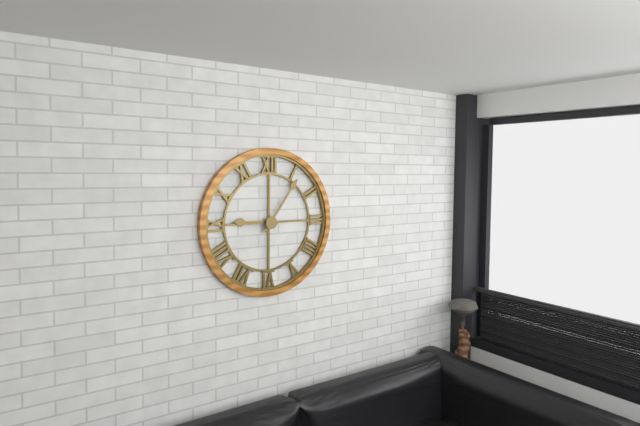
9:06
